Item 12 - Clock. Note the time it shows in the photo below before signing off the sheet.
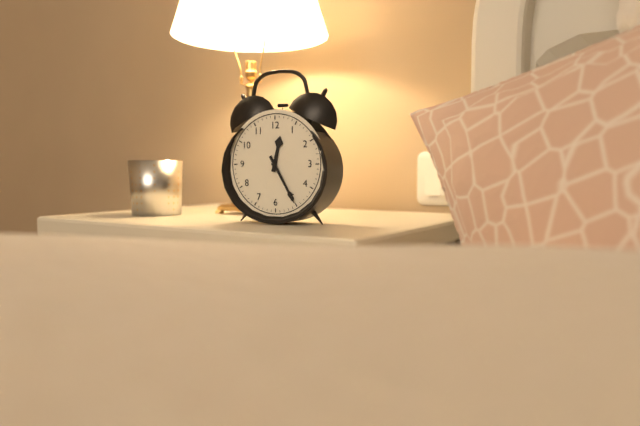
12:25
